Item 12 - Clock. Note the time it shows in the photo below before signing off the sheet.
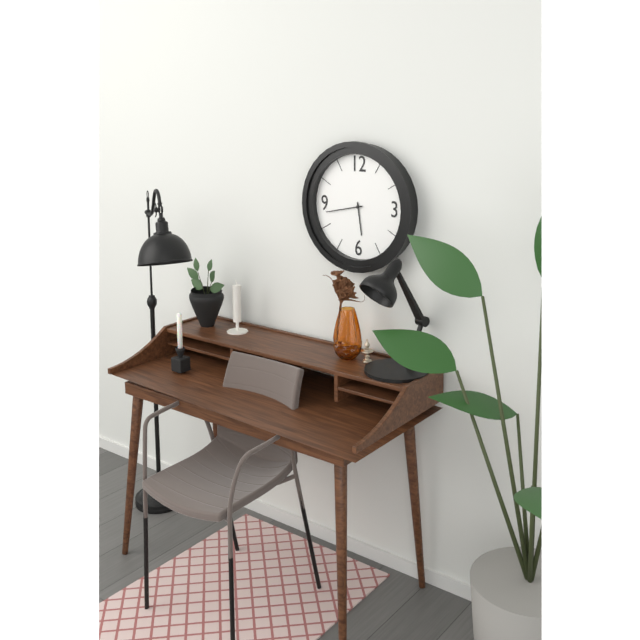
5:43
